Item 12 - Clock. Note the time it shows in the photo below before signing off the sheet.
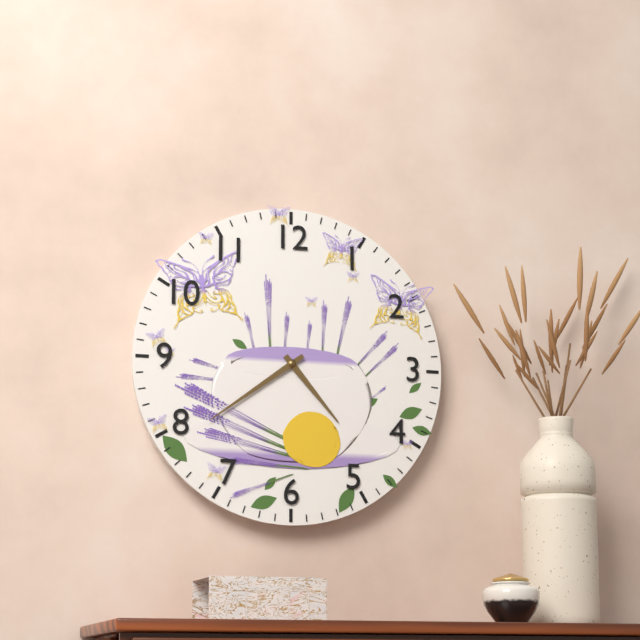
4:39
